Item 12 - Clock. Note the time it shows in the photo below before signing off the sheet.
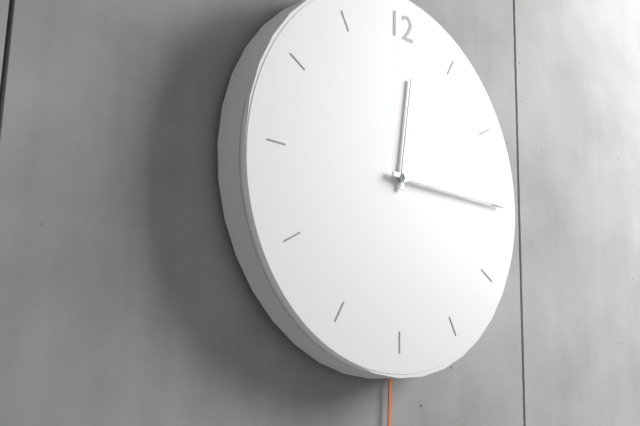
12:15
